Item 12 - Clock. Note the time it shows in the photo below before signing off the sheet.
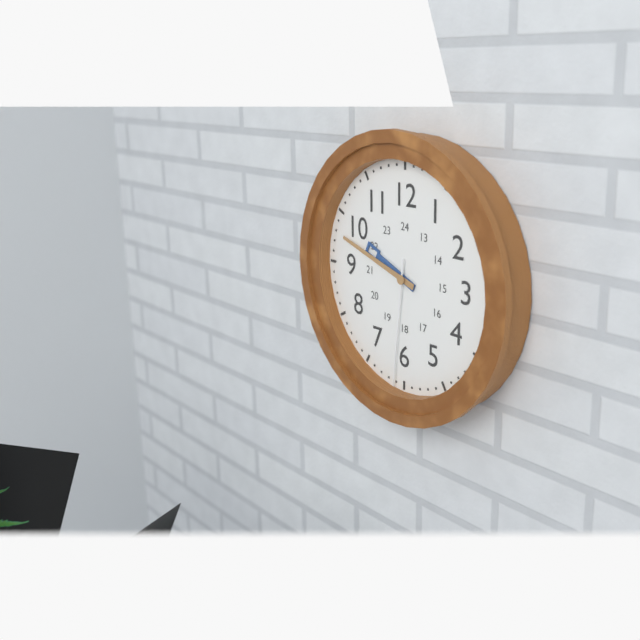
9:48:31
